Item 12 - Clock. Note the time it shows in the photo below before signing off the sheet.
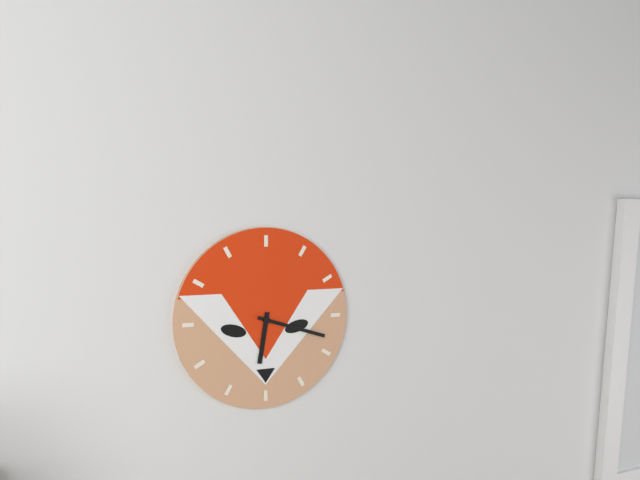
6:18
